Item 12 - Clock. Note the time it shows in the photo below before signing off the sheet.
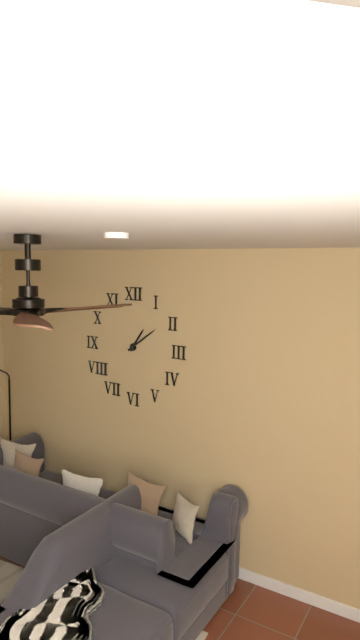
1:09
